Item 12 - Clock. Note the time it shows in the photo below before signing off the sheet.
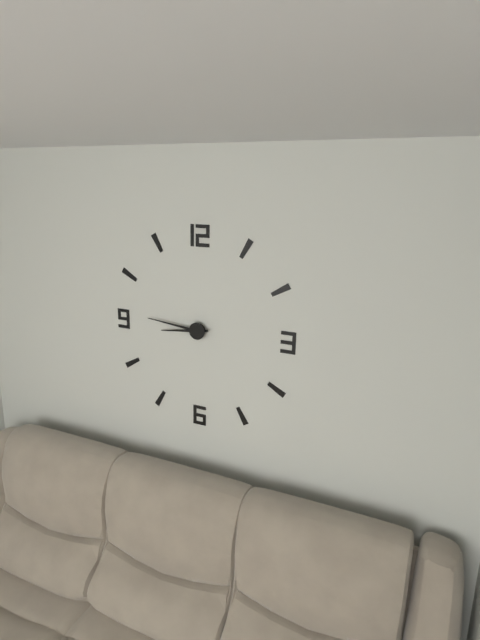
8:46
